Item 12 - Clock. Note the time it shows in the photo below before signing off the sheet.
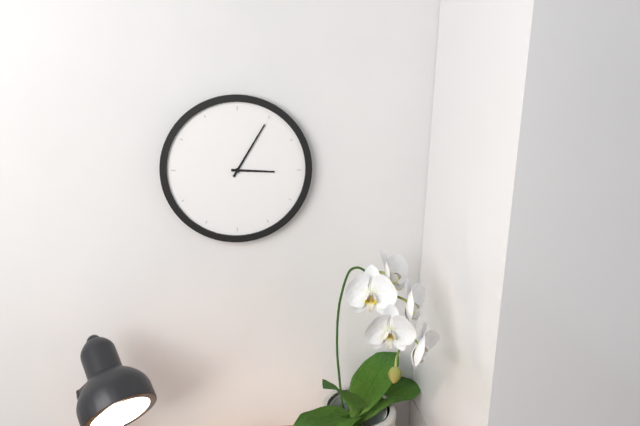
3:05
